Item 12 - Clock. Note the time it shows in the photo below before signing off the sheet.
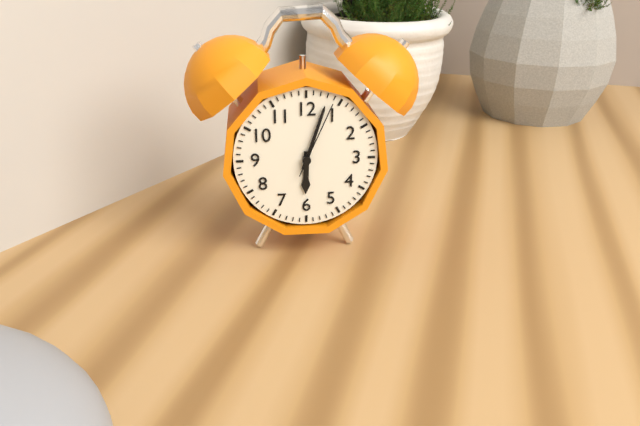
6:03:04
